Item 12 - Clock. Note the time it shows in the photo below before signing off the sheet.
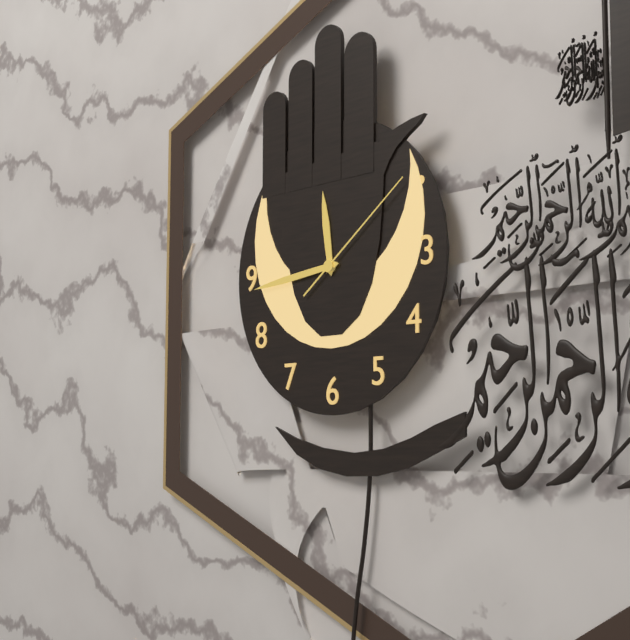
11:44:09
